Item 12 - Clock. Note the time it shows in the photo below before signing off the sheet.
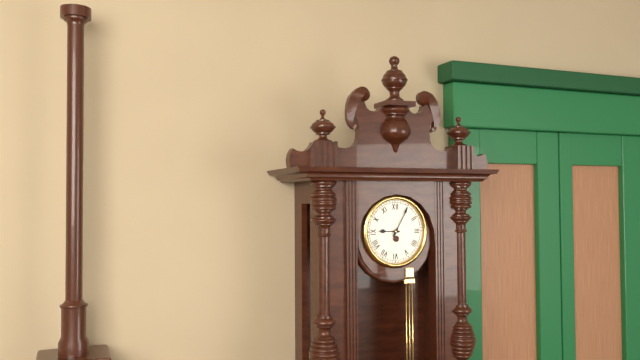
9:05
